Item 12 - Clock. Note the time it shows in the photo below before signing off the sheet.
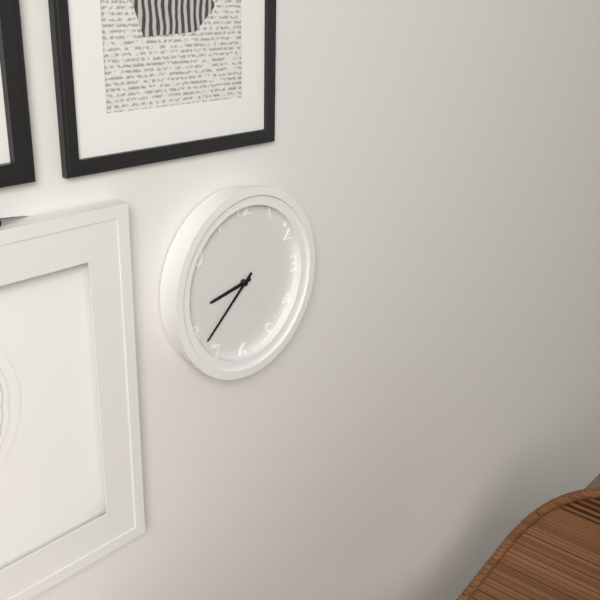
8:38
